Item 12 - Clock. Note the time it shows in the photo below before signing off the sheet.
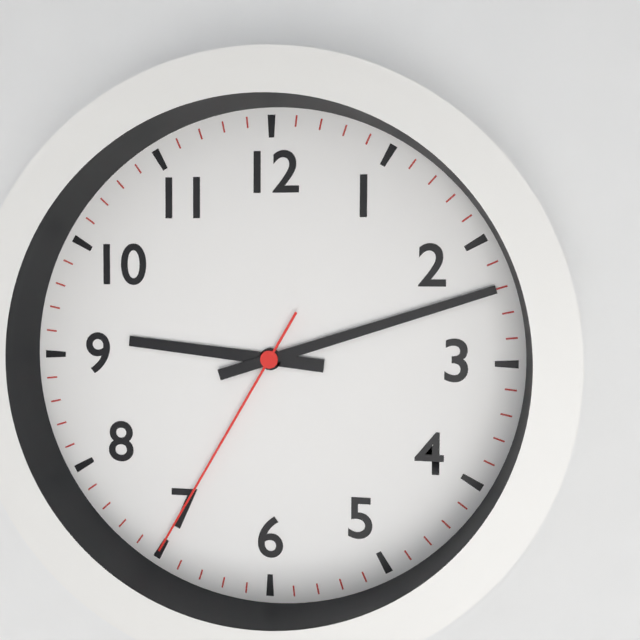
9:12:35
